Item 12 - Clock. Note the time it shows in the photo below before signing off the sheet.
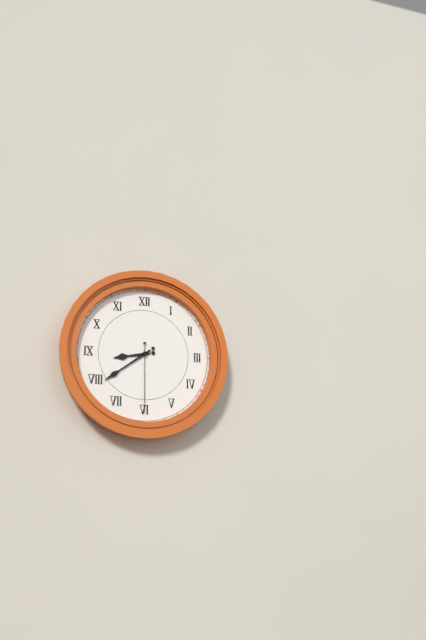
8:39:30
